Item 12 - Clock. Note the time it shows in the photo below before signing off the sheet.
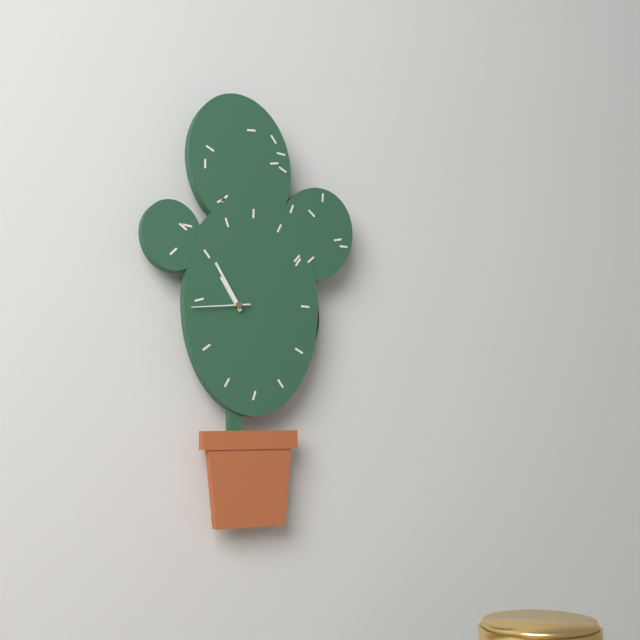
10:55:44
